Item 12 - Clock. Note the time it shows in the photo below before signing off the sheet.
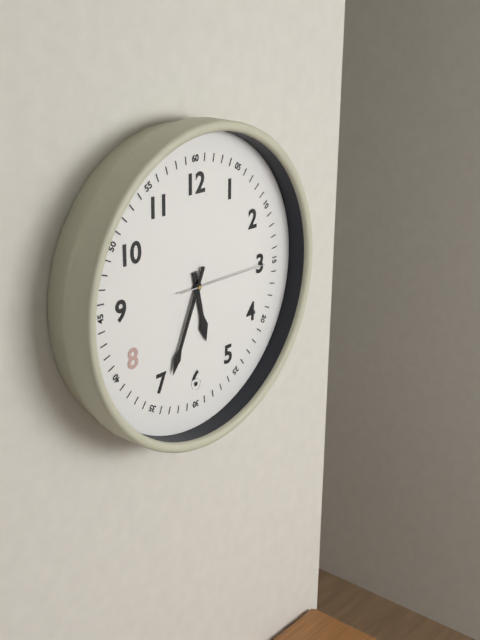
5:34:15
